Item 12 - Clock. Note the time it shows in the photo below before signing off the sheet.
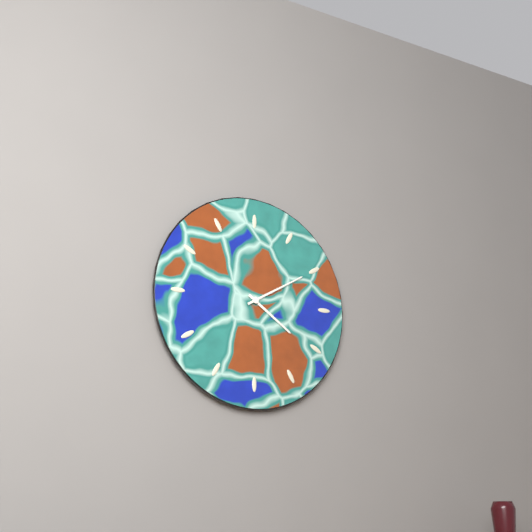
4:10
